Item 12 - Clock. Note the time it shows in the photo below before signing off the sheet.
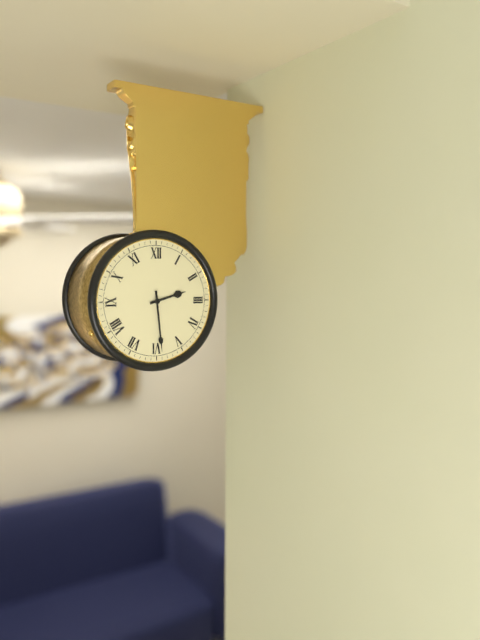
2:29
